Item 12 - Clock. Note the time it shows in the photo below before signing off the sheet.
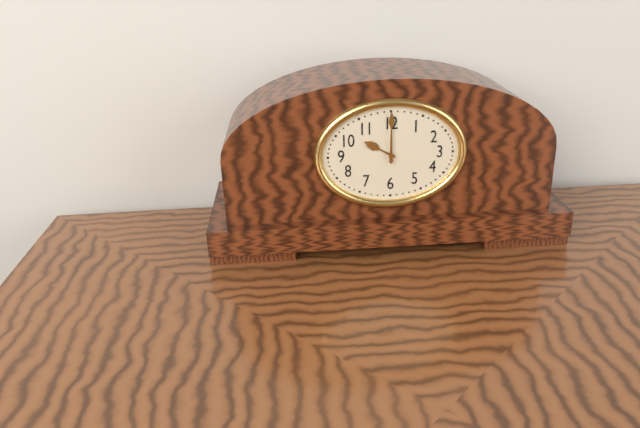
10:00
